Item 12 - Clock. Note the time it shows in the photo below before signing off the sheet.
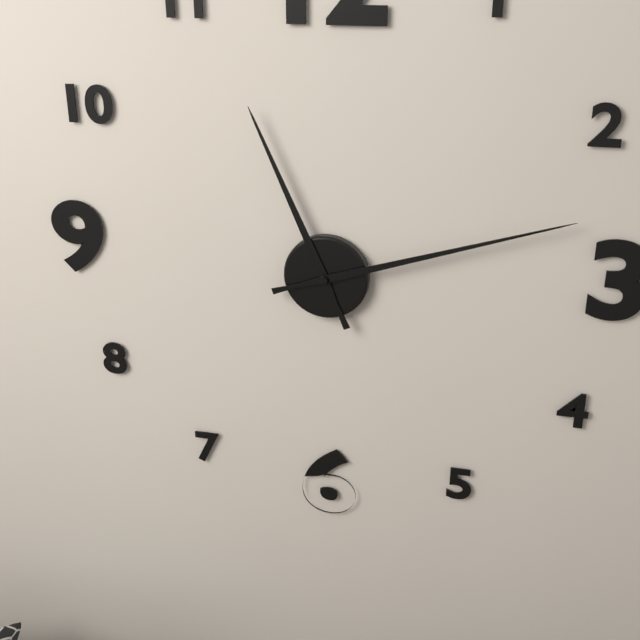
11:12
